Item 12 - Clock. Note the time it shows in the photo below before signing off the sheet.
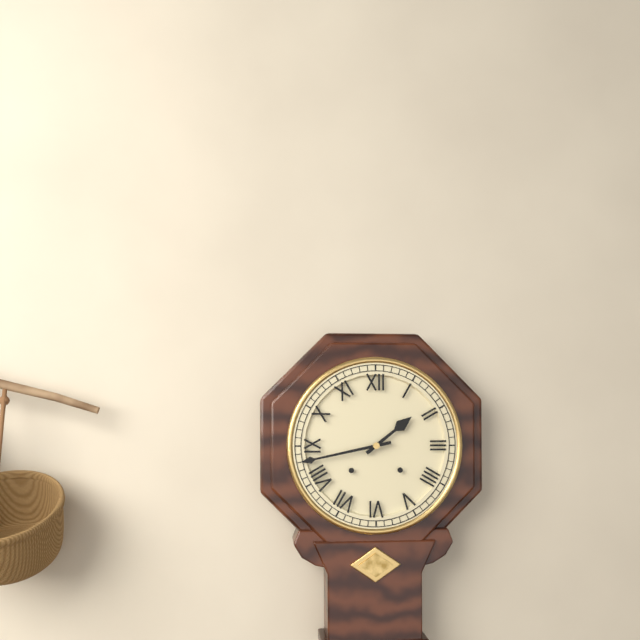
1:43
